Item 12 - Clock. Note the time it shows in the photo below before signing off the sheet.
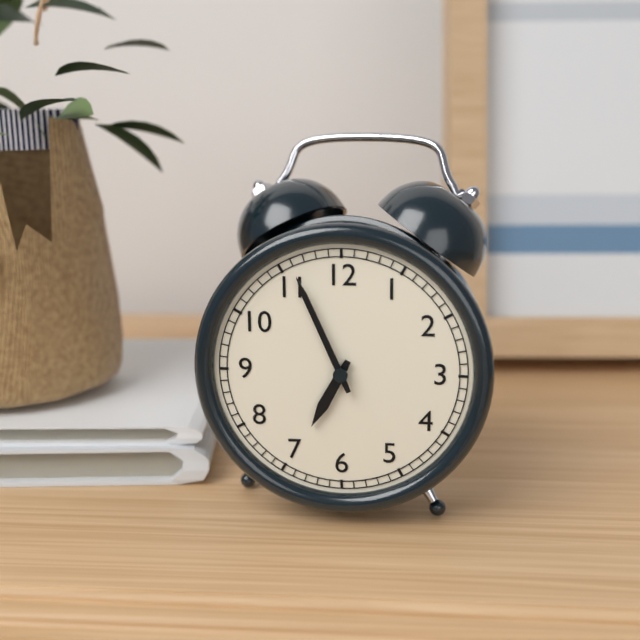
6:56
